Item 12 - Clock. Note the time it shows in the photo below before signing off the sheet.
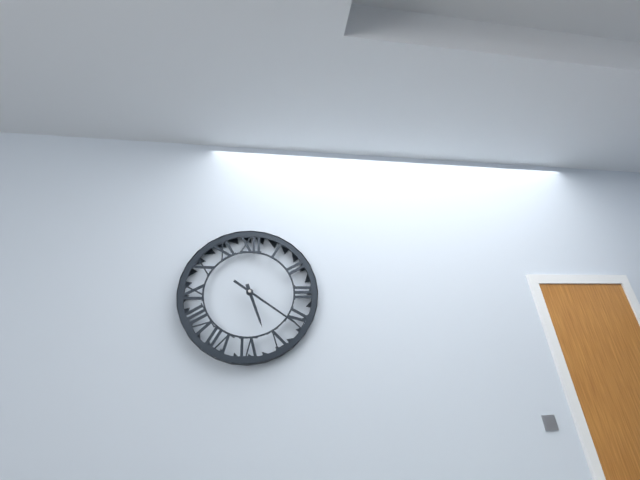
5:21
